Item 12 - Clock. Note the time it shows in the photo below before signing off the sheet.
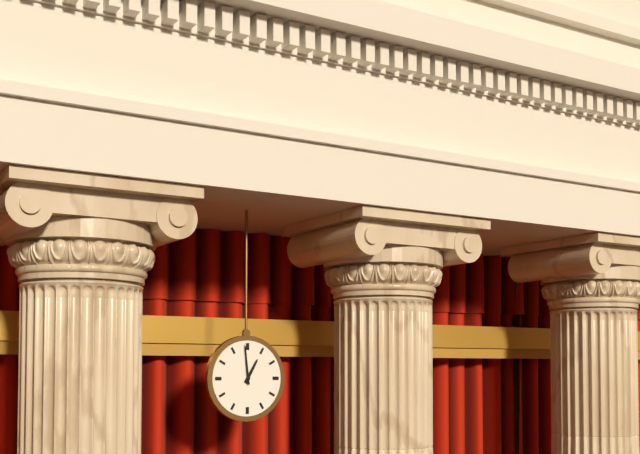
12:59
